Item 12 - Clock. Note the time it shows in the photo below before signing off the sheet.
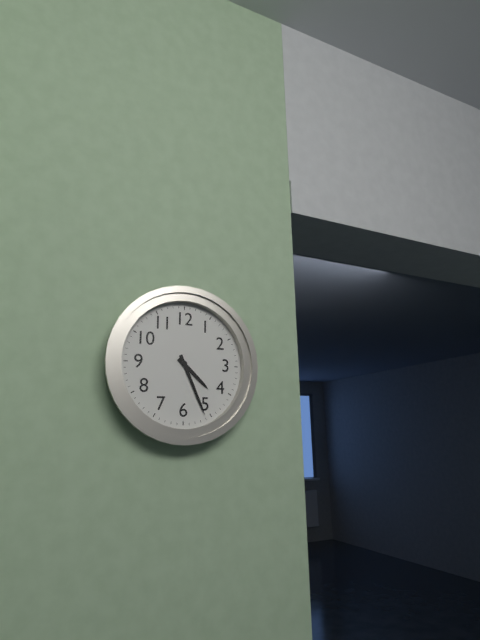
4:26
